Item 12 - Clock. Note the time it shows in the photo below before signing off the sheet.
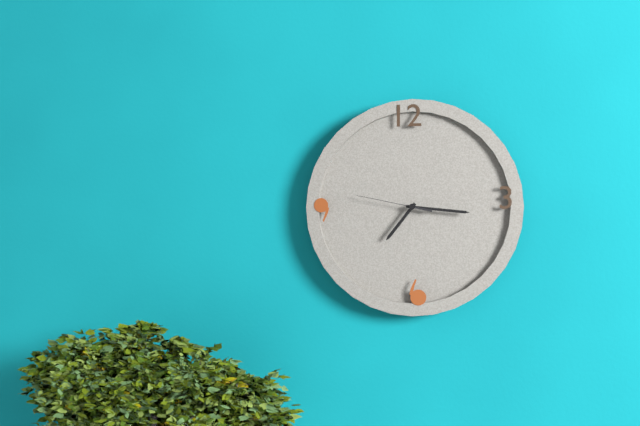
7:16:47
